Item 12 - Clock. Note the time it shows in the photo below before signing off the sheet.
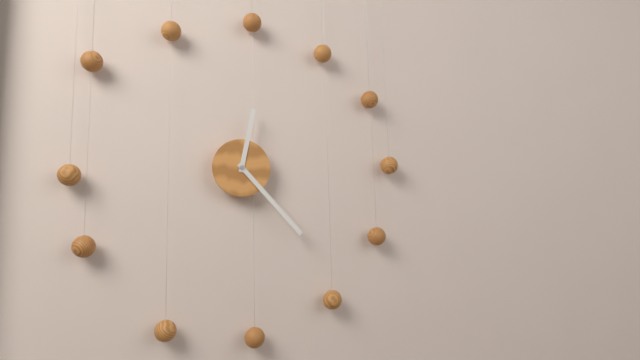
12:23
